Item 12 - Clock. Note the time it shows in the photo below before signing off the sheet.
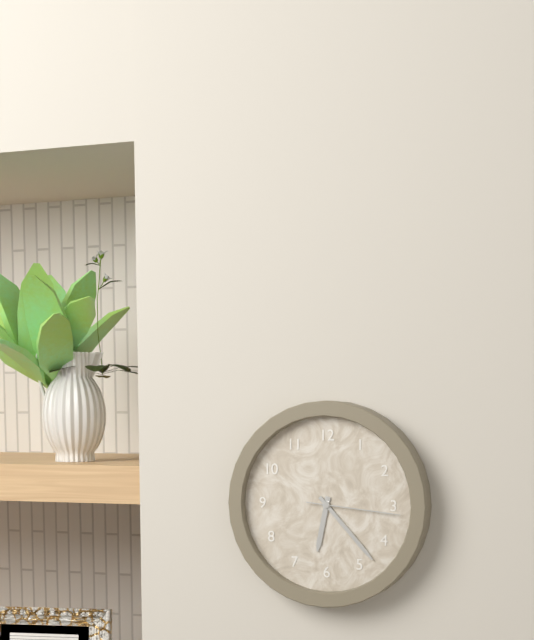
6:23:16
